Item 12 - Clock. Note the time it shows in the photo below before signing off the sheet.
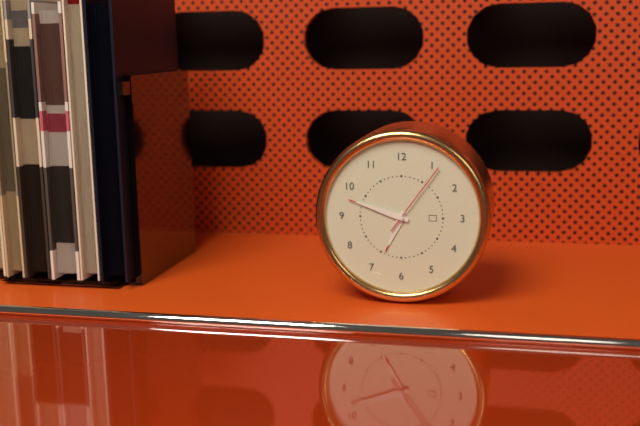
6:48:06
